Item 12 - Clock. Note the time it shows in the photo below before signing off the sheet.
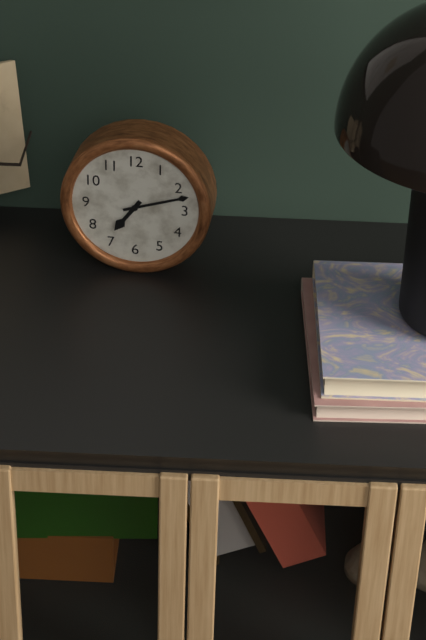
7:12
